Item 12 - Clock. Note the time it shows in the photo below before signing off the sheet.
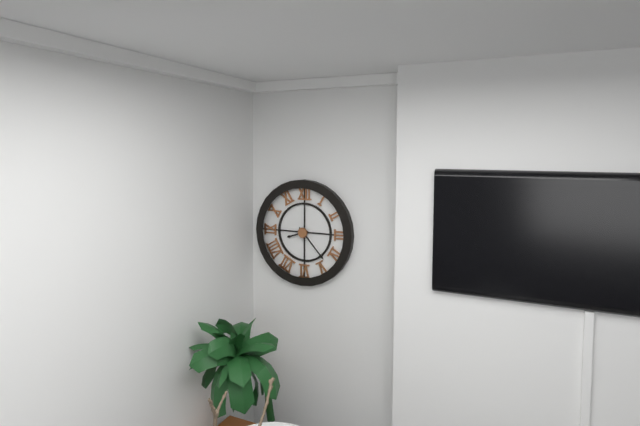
8:23
